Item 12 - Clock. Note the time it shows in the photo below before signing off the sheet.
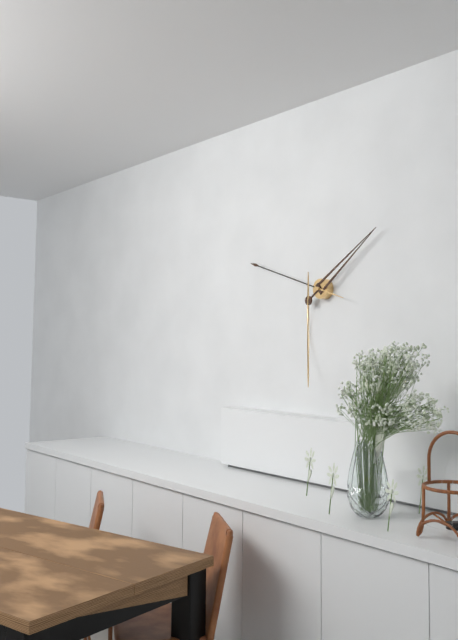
1:48
